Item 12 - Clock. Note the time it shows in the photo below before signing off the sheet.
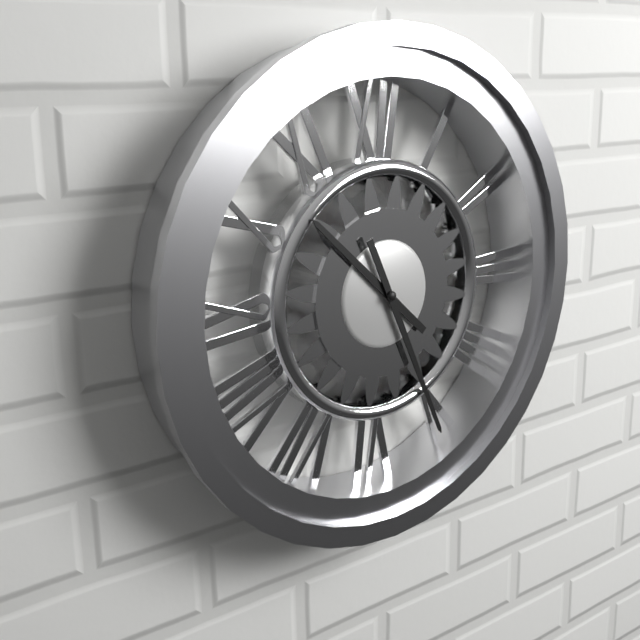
10:26
